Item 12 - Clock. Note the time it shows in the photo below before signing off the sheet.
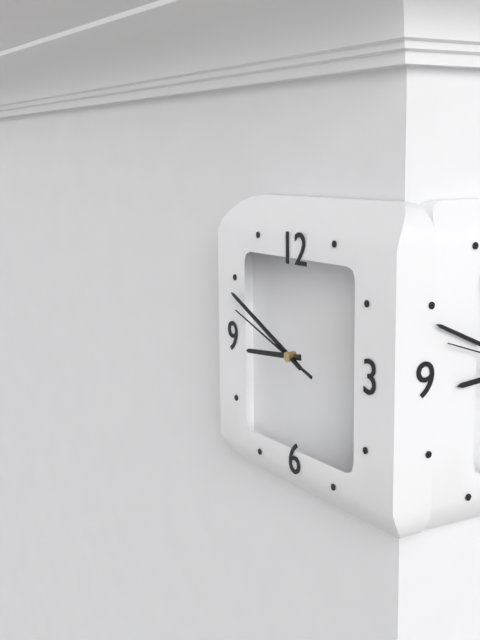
8:49:48
